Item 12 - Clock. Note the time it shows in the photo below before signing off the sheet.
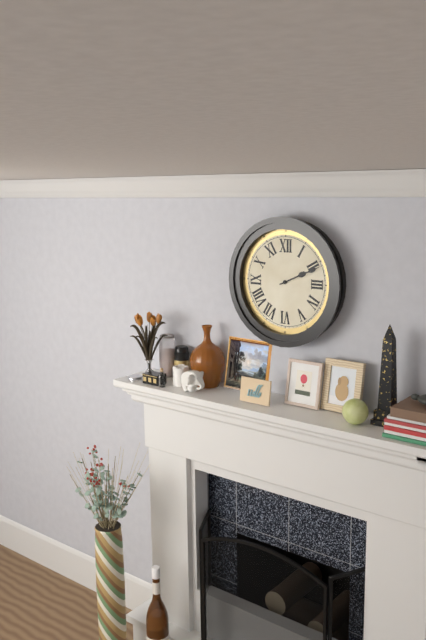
2:11
